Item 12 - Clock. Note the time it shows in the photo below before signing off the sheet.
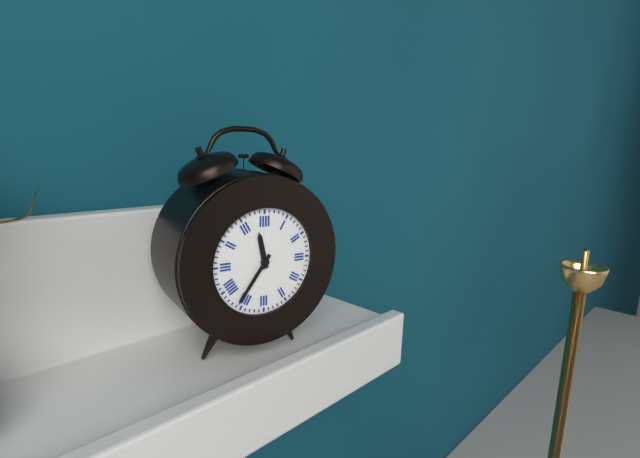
11:36
